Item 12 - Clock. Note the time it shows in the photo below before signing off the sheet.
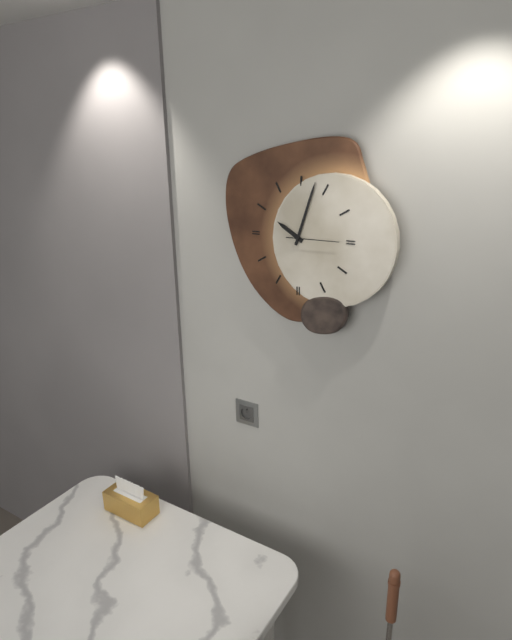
10:03:15
